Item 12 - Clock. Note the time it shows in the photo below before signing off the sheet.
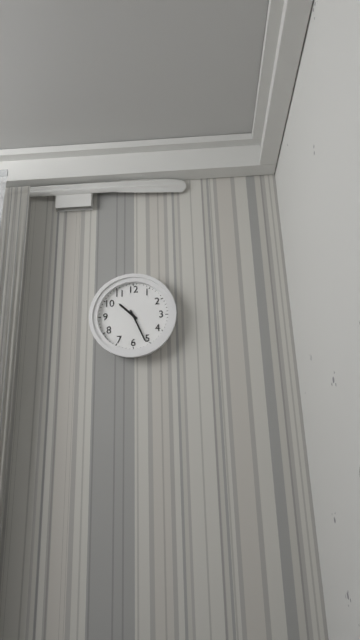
10:26
